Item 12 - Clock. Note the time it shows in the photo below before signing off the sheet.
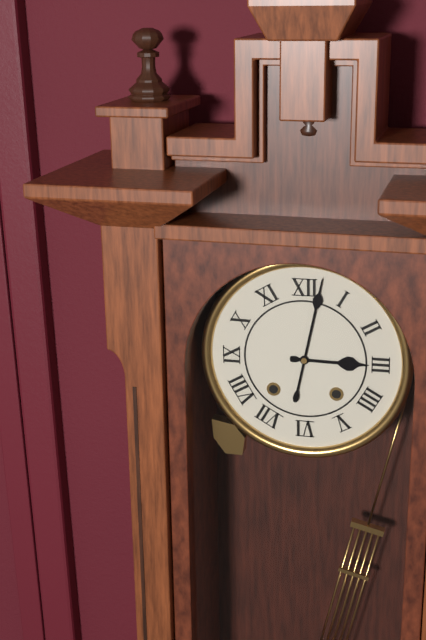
3:02
